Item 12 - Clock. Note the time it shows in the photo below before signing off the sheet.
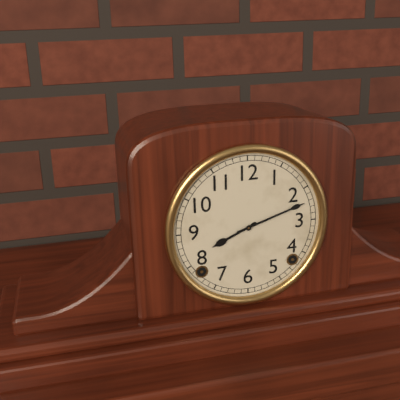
8:12
